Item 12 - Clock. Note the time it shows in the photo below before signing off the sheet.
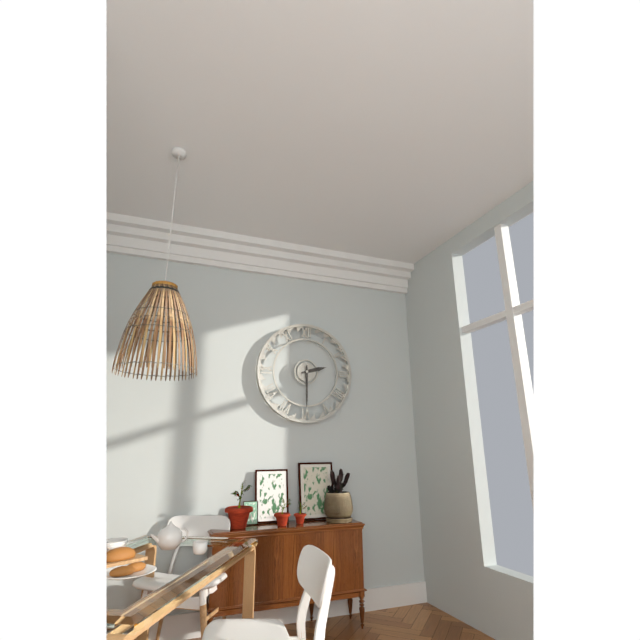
2:30
